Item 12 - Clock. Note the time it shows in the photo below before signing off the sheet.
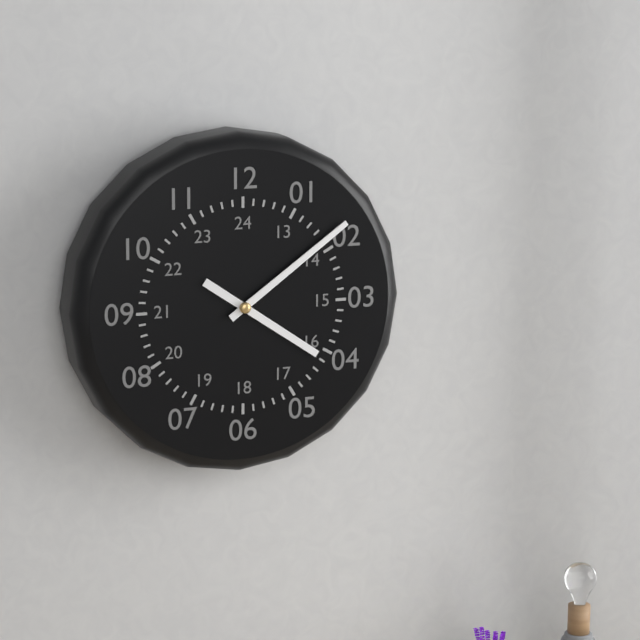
4:09
